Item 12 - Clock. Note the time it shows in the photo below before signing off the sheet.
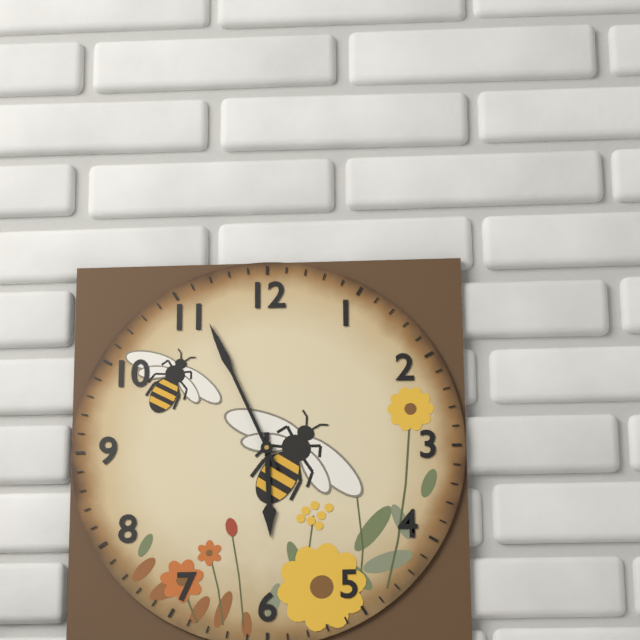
5:56
